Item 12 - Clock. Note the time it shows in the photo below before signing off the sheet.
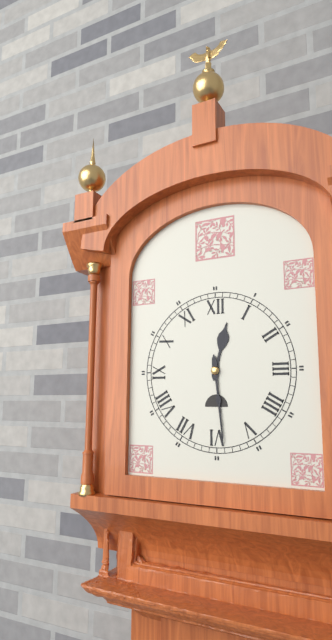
12:29
